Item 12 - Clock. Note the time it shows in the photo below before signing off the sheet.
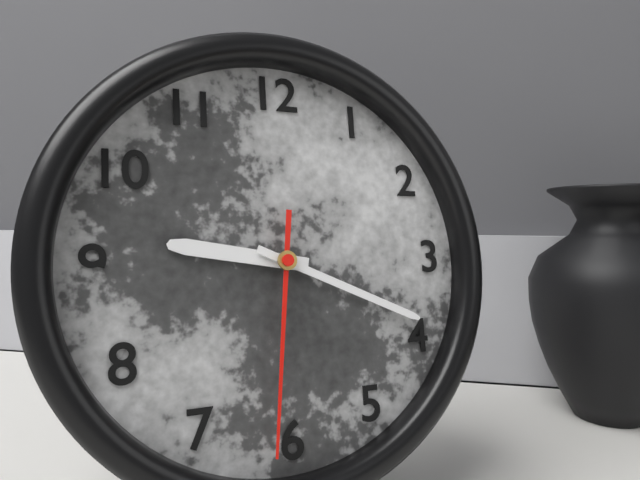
9:19:31
